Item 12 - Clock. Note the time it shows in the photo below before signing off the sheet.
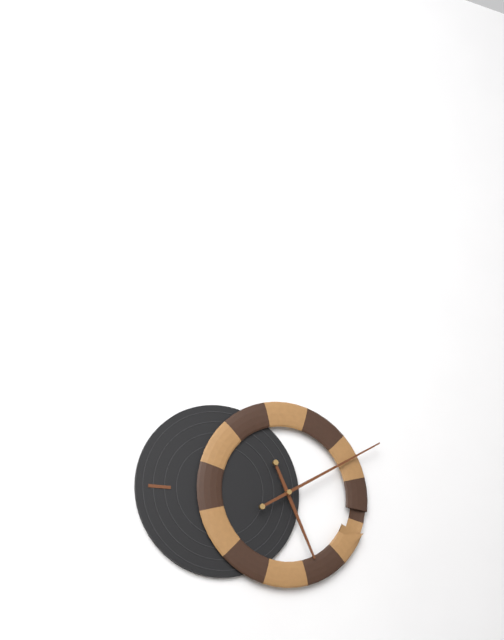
5:10
